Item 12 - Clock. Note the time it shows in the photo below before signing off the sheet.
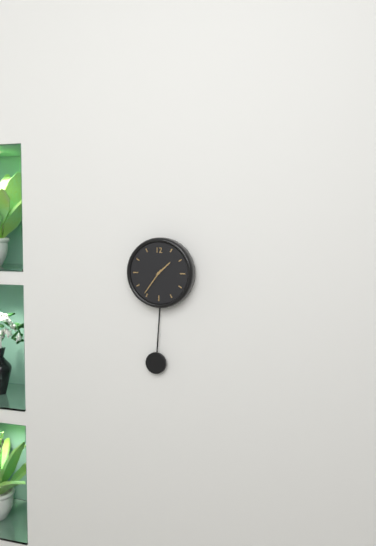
1:36
